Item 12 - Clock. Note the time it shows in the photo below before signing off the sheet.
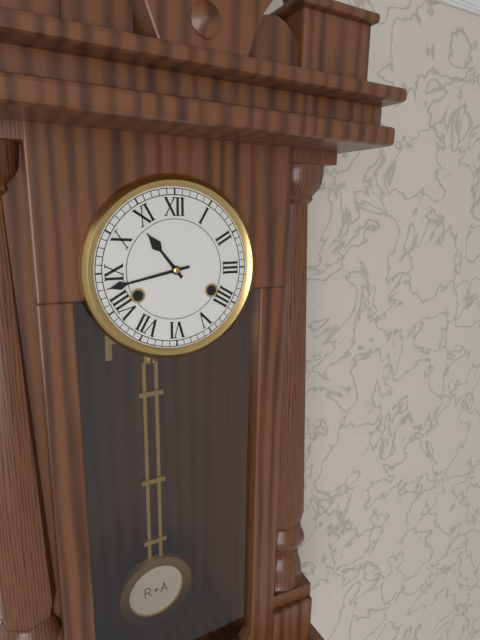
10:43
